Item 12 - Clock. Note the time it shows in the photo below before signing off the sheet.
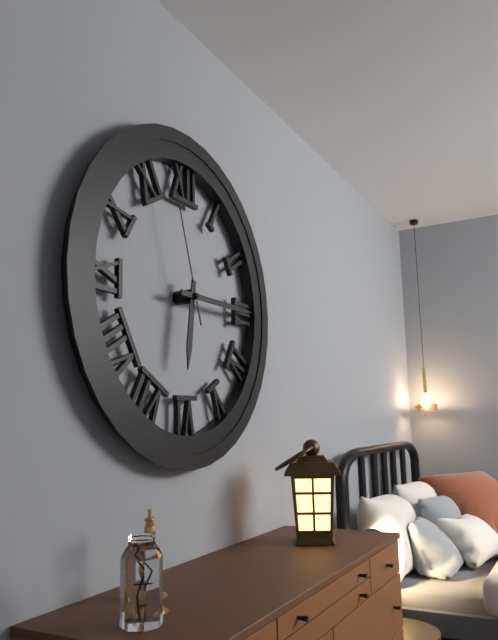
6:15:57
